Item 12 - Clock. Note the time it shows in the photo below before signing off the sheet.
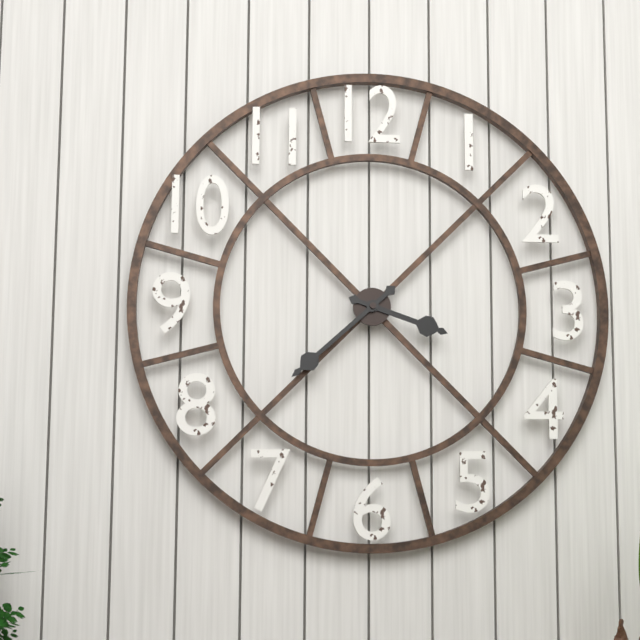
3:38
